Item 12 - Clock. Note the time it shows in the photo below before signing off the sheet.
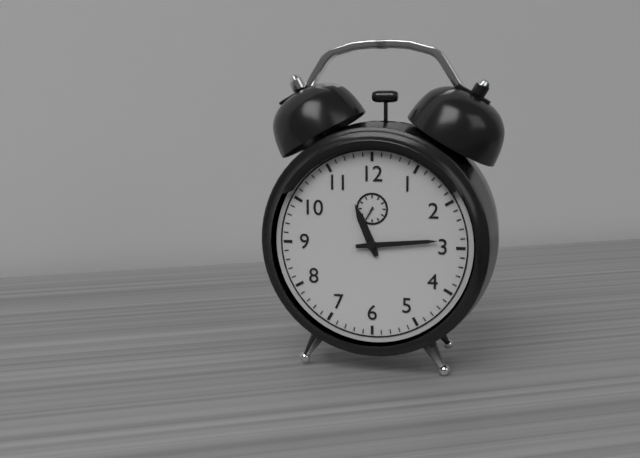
11:14
